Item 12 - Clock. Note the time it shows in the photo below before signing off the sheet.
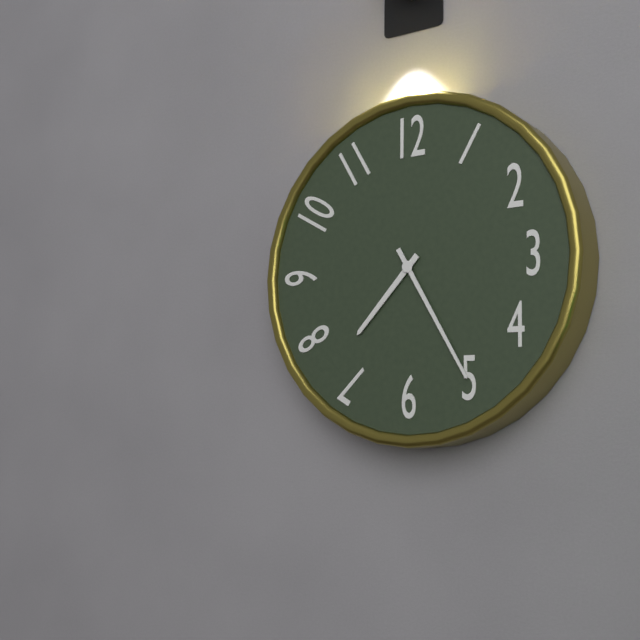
7:25
